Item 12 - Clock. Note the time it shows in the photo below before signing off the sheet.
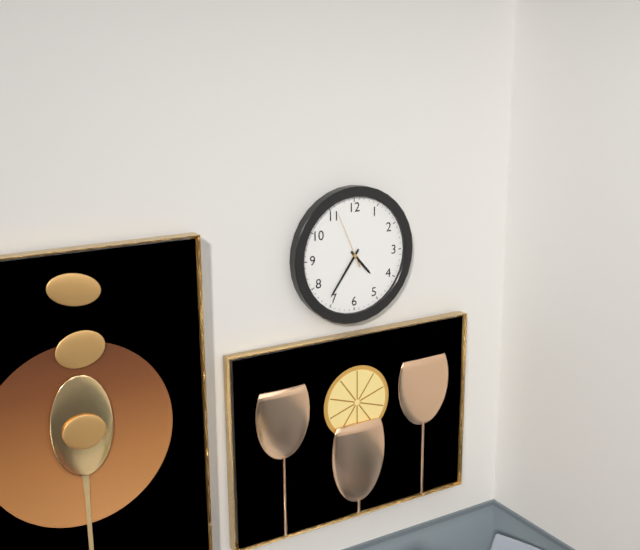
4:36:56
